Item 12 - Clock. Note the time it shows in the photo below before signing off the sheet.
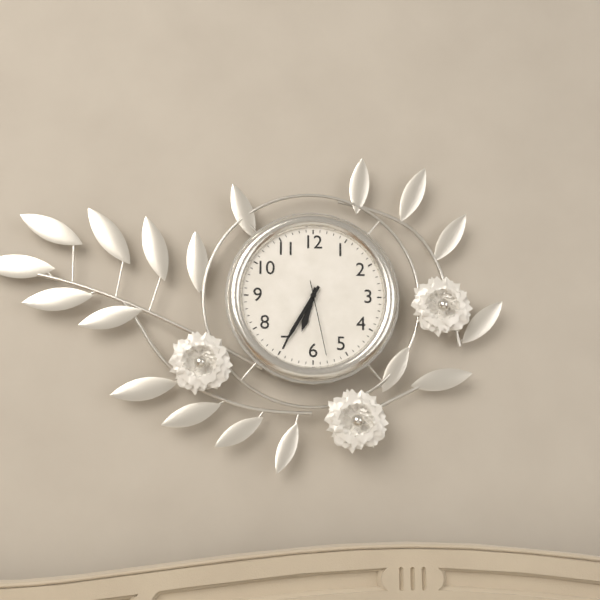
6:35:28
